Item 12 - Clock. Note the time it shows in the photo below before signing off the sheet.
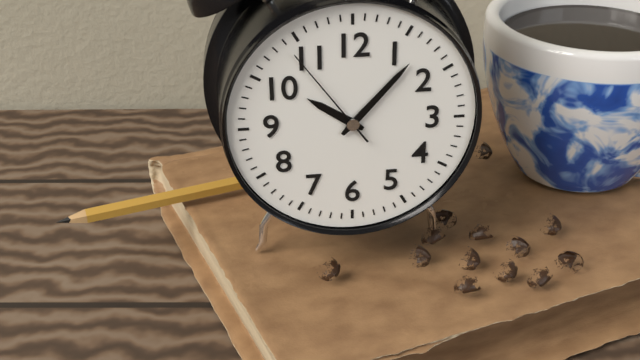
10:07:54
